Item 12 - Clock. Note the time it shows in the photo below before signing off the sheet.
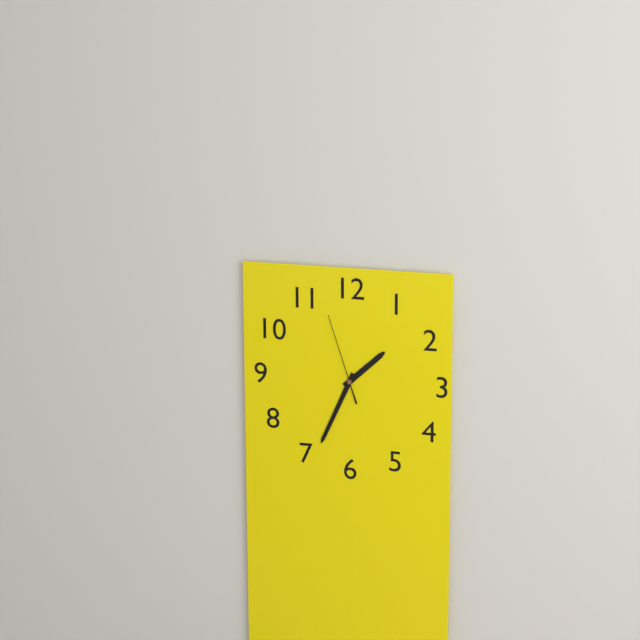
1:34:57
